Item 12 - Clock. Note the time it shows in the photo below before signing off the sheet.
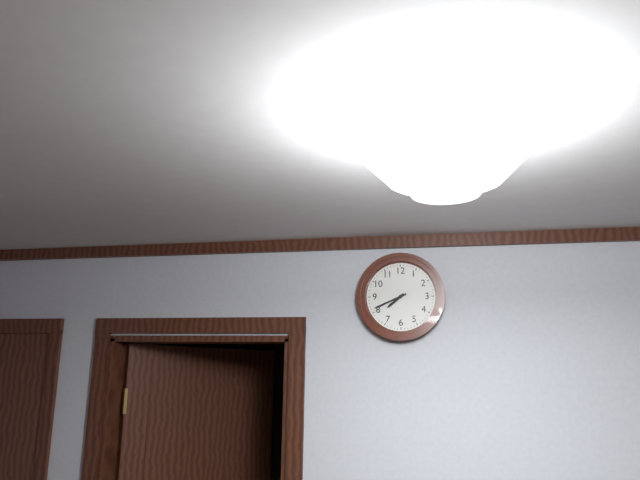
7:41
